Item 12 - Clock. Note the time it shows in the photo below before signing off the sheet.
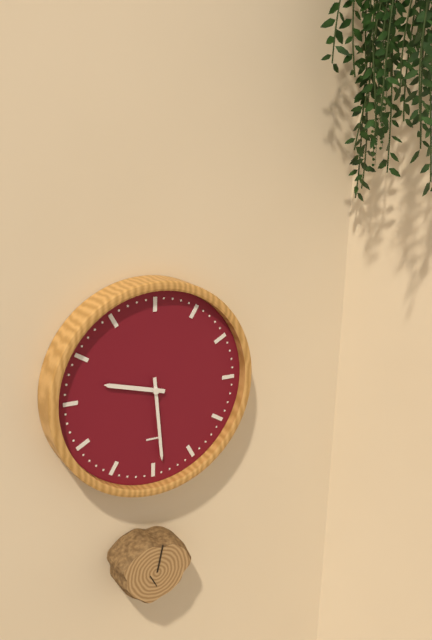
9:29
